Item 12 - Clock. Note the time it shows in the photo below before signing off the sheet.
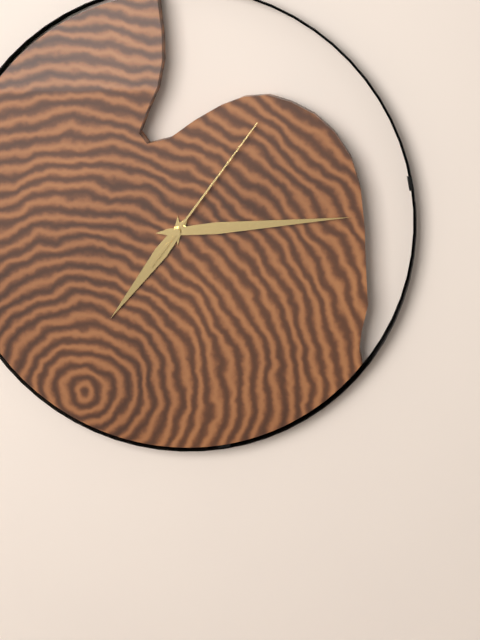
7:14:06
